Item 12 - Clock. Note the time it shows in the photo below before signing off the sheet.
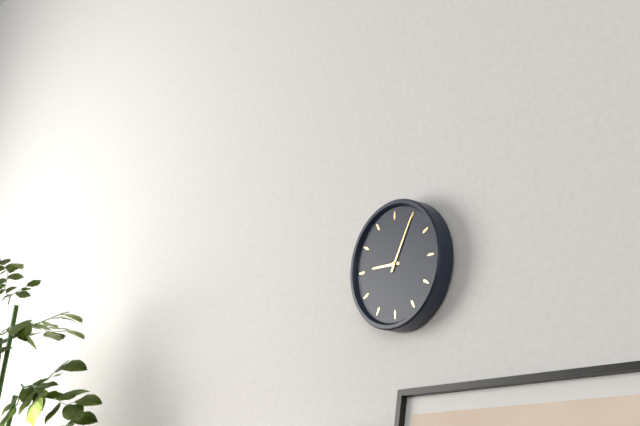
9:05
